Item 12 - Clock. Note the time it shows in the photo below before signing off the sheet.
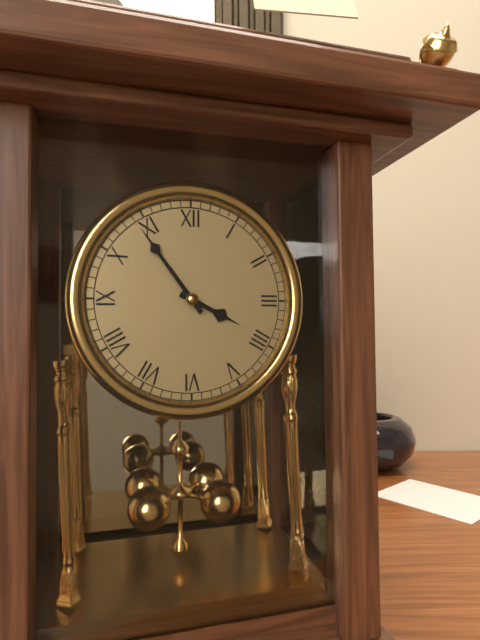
3:54
